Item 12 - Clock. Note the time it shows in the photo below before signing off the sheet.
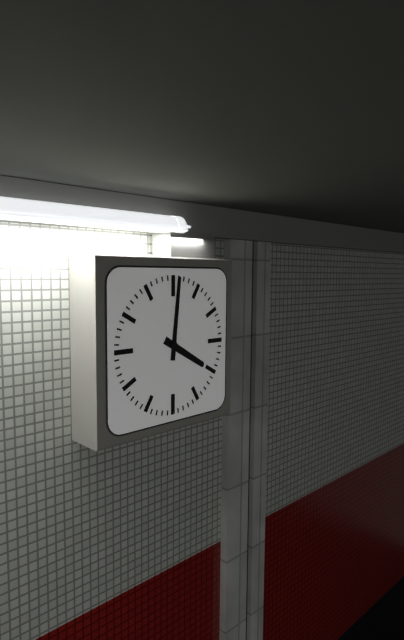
4:01
